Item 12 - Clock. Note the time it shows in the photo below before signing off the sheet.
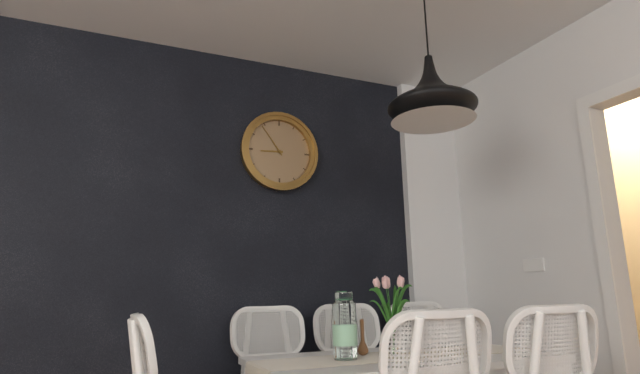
8:54
